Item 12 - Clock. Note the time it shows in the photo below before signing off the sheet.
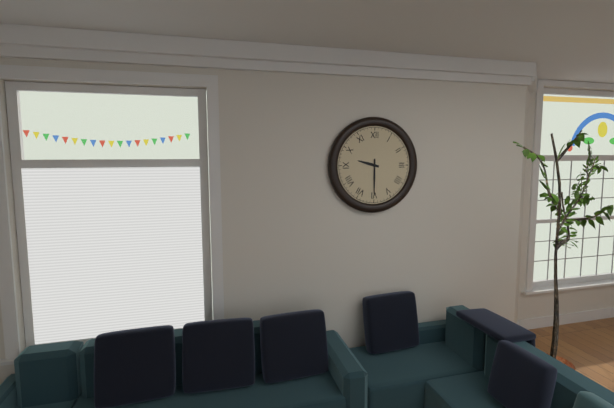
9:30
